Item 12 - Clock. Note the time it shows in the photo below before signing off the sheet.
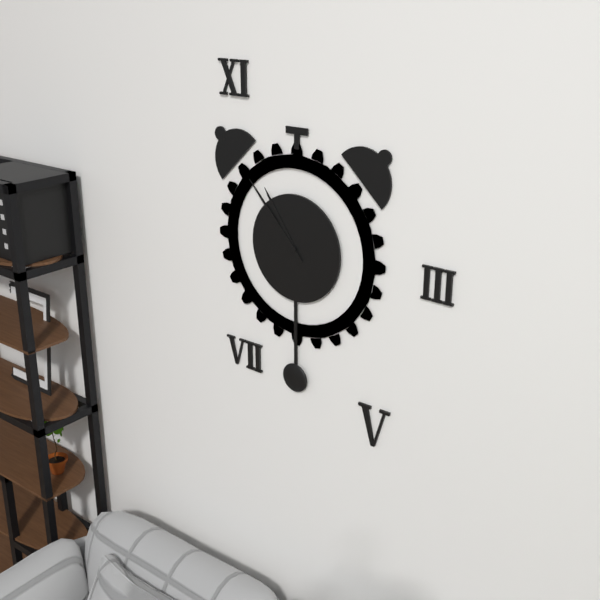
10:53
